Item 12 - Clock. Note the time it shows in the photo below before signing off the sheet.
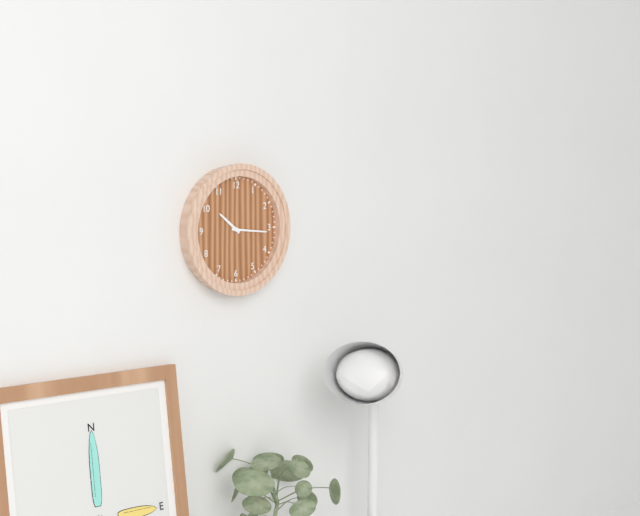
10:16
